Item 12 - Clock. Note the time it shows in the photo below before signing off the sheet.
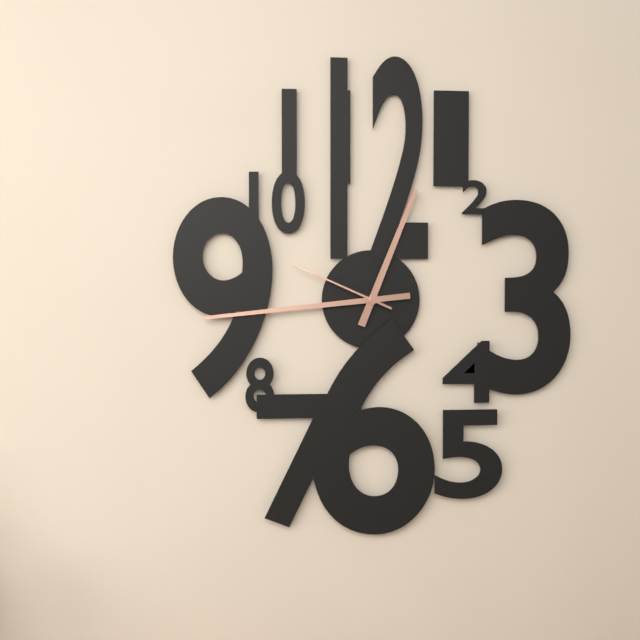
12:44:49
